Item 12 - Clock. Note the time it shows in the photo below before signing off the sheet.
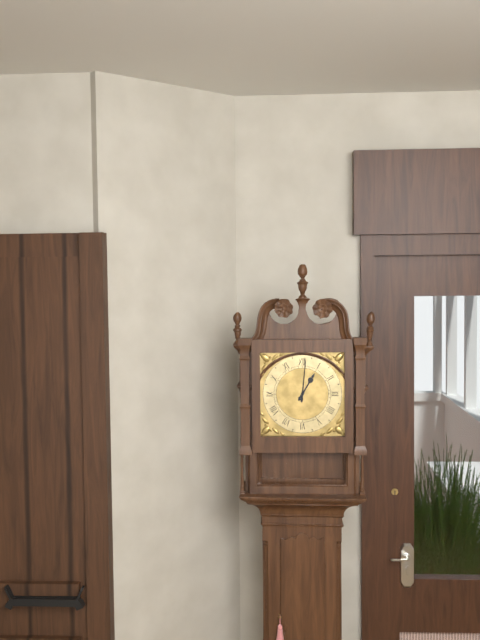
1:01
